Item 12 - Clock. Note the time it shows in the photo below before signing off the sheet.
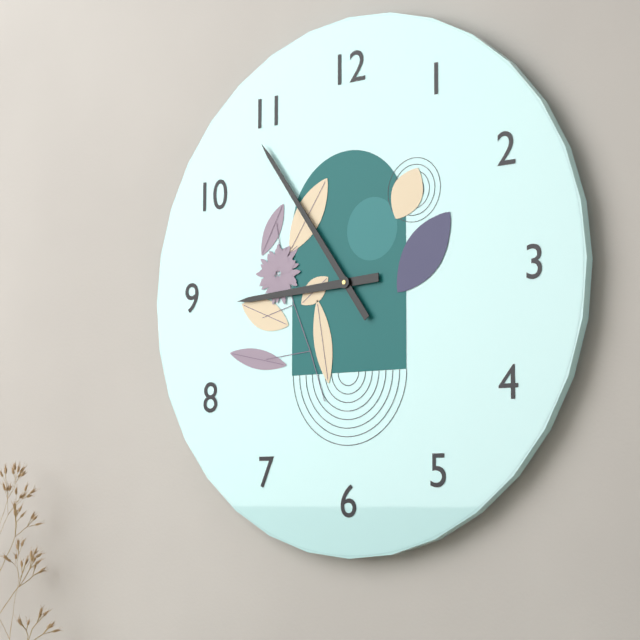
8:54
